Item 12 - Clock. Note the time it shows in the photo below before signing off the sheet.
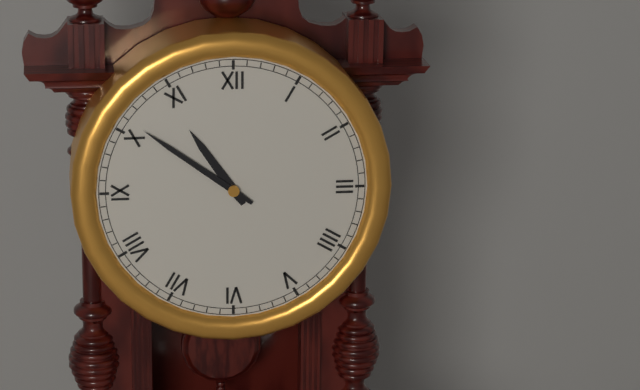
10:51
